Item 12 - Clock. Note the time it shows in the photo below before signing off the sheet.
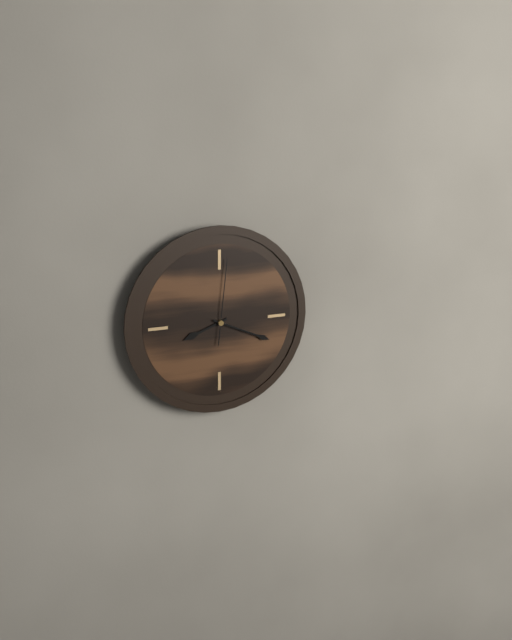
8:19:01
